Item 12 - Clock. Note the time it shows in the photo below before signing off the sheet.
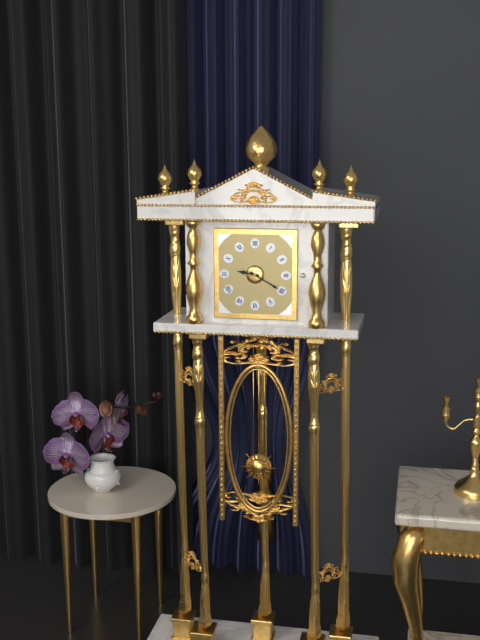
9:20
